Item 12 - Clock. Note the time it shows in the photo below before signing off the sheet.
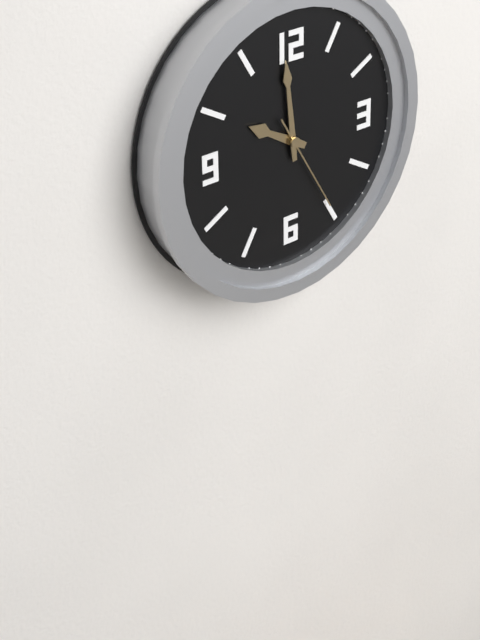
9:59:25
